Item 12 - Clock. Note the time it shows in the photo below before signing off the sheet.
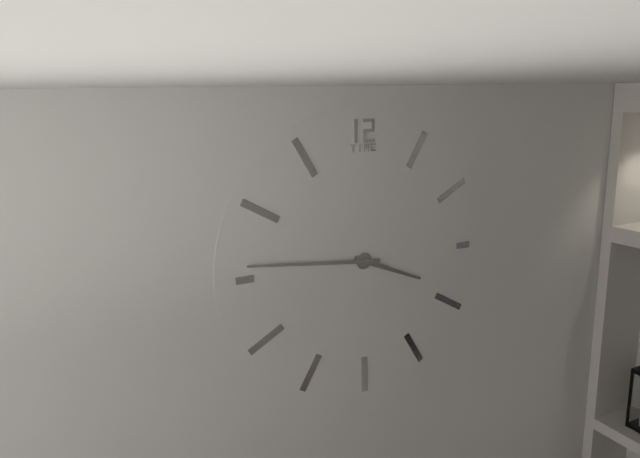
3:46
